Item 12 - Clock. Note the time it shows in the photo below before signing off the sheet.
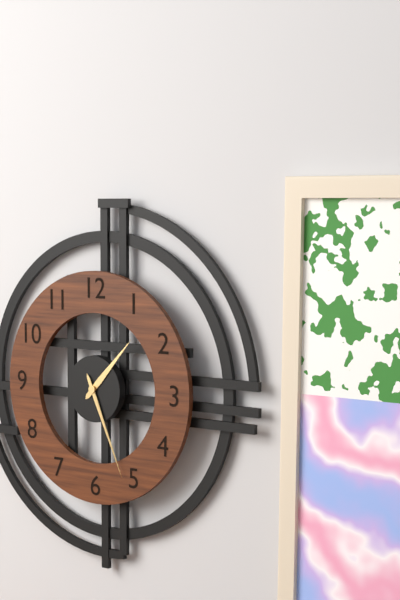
1:26
